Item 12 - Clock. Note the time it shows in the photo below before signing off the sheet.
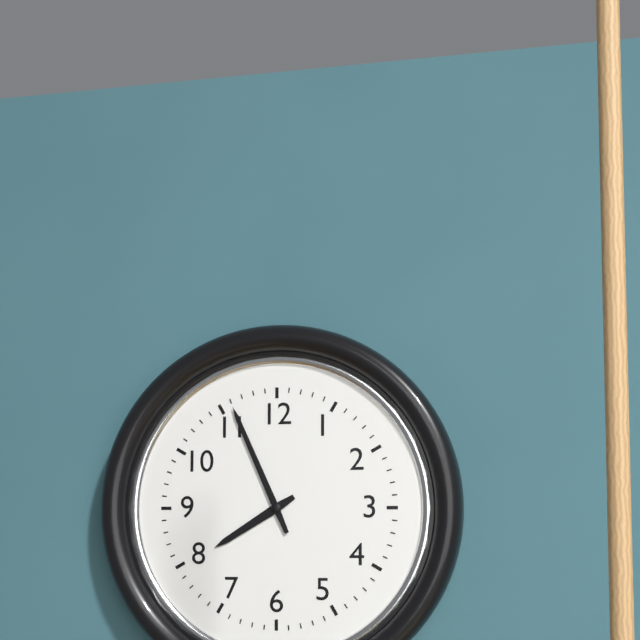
7:56
